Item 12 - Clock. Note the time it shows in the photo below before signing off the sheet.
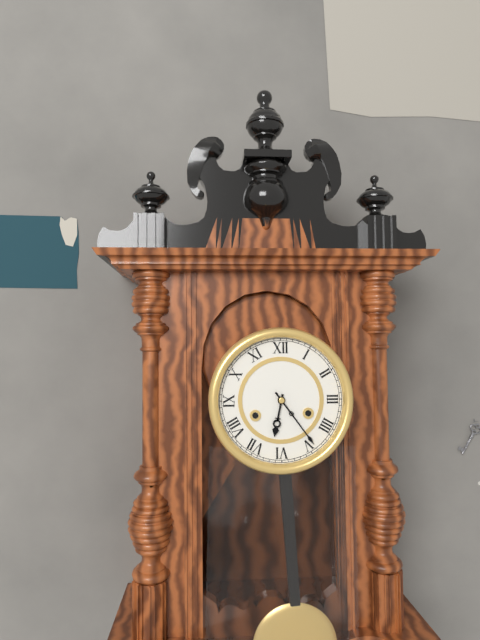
6:24
